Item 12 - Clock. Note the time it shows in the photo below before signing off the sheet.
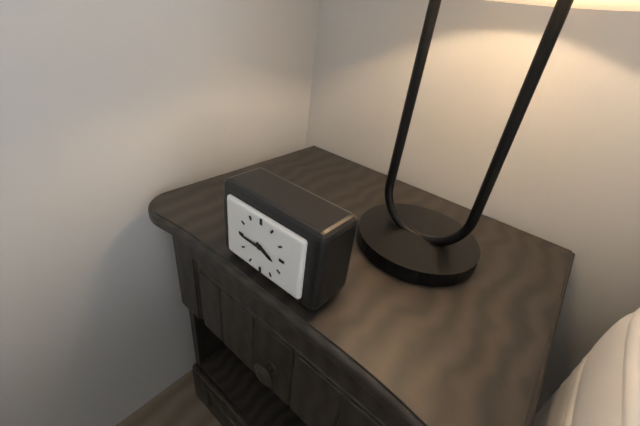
3:45
